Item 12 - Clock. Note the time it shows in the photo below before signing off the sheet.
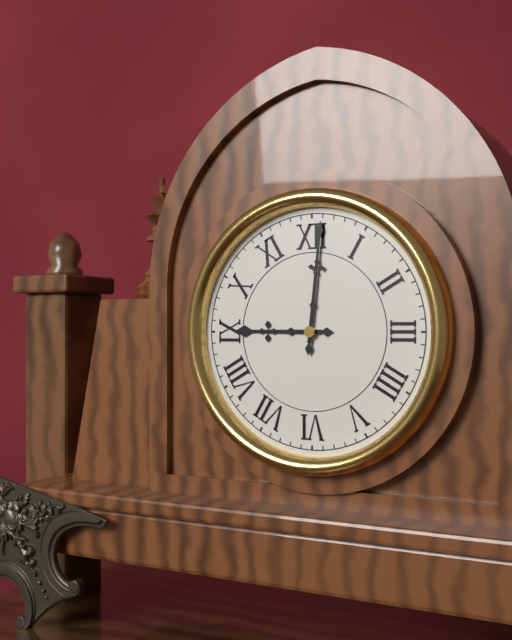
9:01
